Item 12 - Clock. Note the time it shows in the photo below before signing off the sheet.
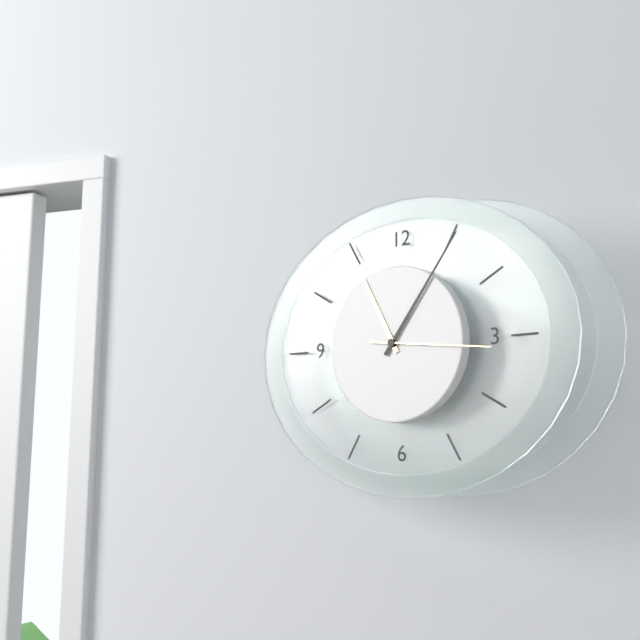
11:06:16
